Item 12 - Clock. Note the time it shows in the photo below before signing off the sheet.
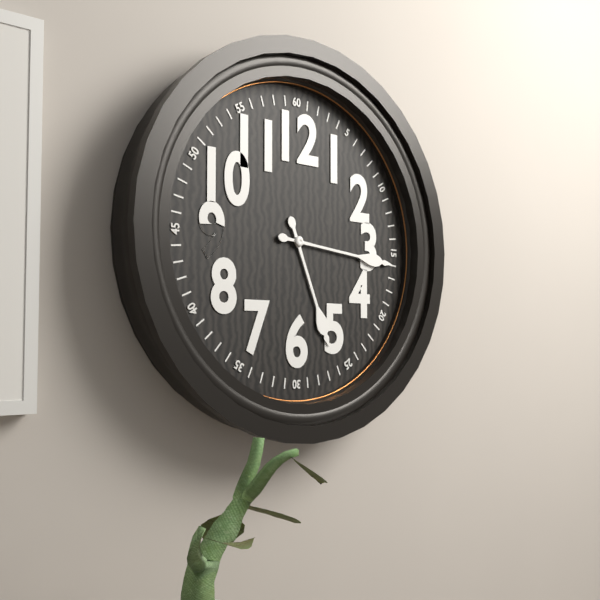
5:16
